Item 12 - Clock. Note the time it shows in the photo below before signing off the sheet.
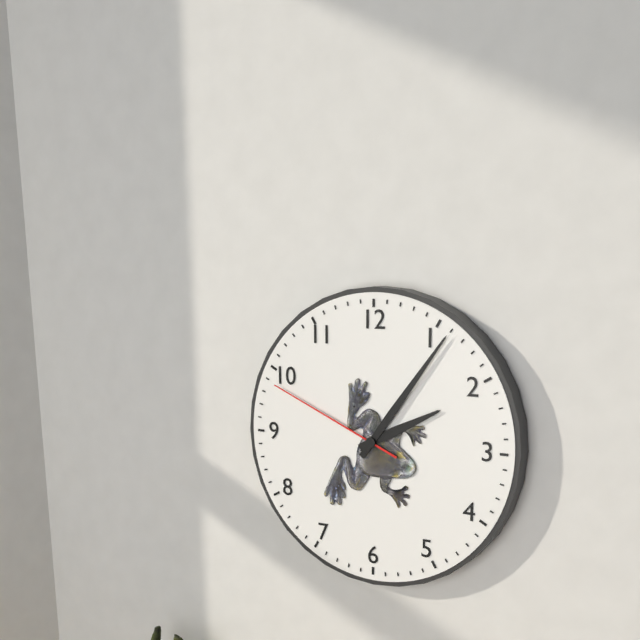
2:06:49
